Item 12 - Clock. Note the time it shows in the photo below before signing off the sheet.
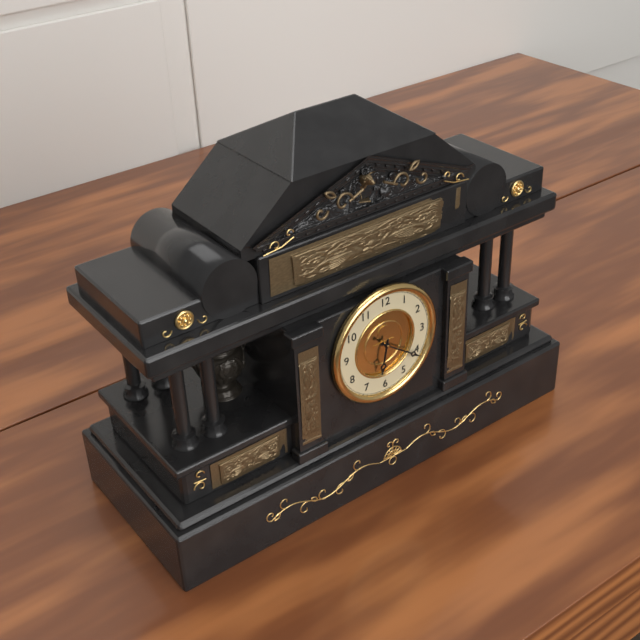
6:21
